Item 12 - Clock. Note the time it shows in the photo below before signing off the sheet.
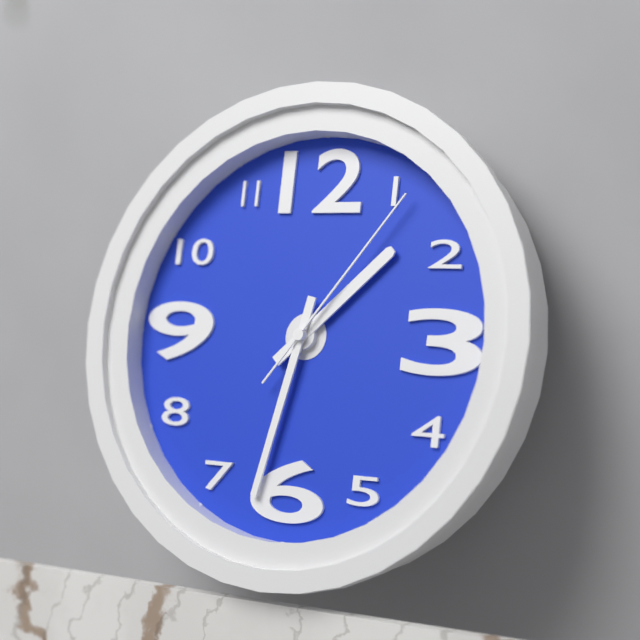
1:32:06
